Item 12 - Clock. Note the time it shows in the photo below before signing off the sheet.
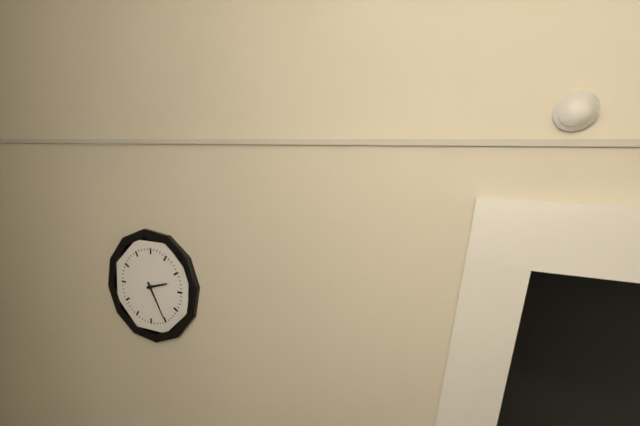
2:25
